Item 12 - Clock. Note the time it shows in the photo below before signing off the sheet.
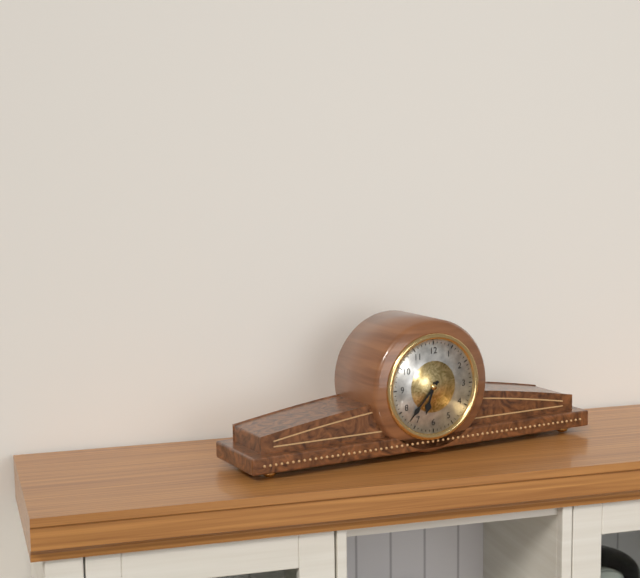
6:37
